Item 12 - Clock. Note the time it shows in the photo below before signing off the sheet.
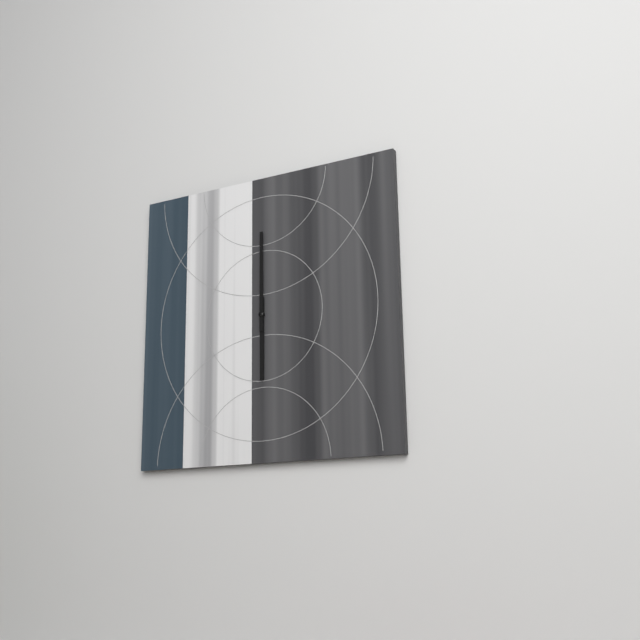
6:00
